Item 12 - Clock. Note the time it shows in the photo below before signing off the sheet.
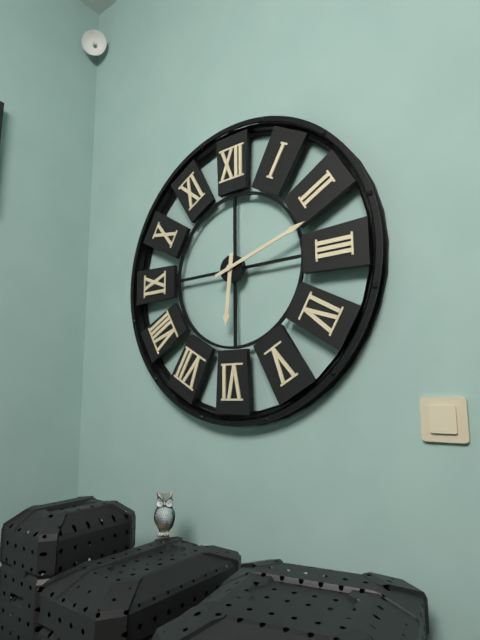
6:12
